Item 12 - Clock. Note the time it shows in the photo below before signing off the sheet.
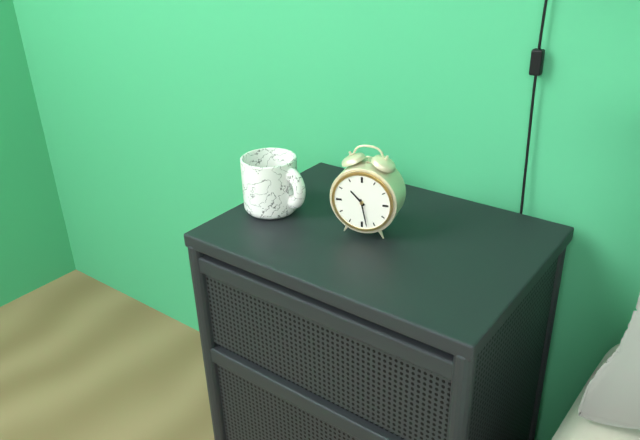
10:28
